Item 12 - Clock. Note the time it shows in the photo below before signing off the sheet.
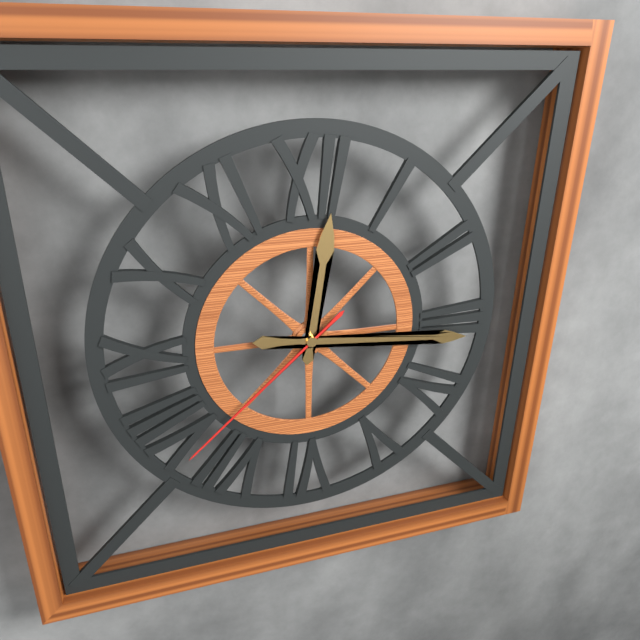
12:16:38
